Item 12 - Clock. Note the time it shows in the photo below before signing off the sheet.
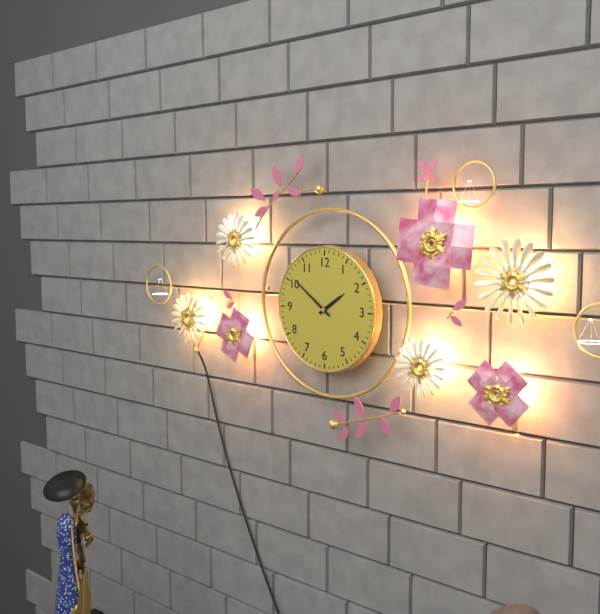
1:51
